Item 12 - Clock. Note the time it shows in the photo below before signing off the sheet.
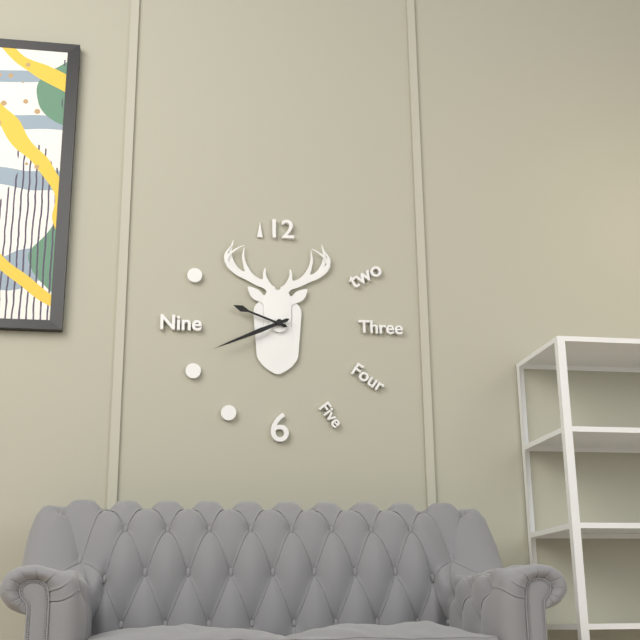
9:41
